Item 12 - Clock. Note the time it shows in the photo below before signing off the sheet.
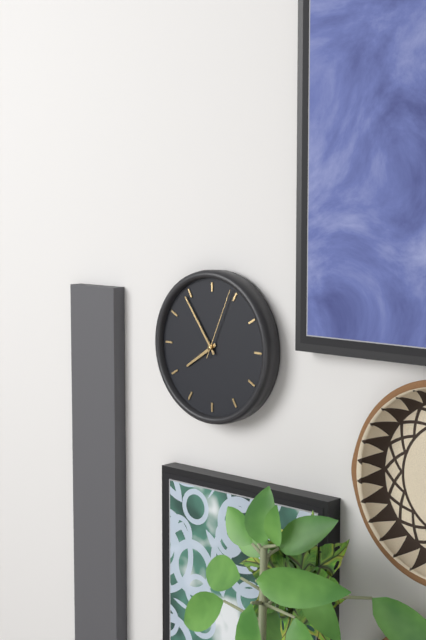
7:54:04
